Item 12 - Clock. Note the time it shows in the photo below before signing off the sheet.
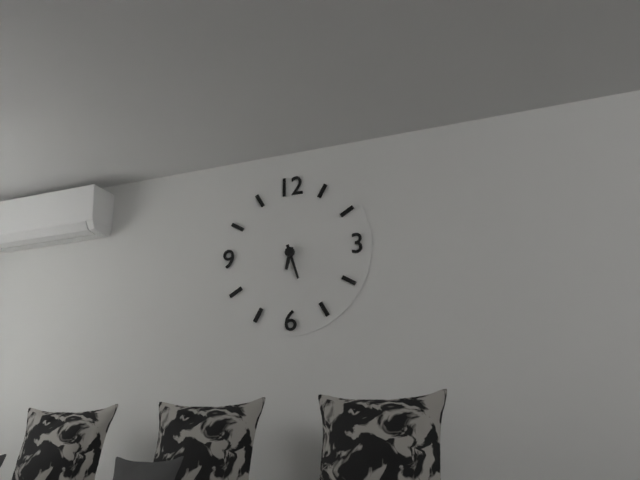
6:27
